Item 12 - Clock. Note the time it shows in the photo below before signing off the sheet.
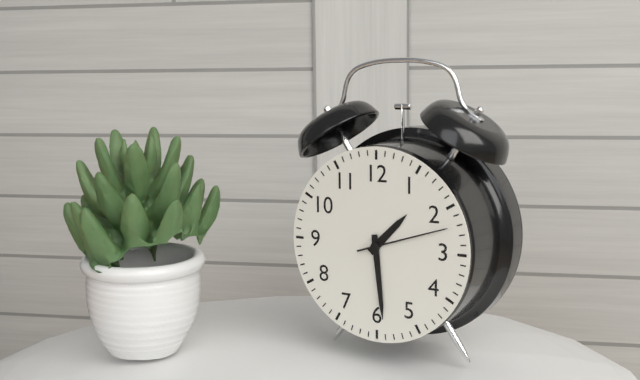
1:29:12
